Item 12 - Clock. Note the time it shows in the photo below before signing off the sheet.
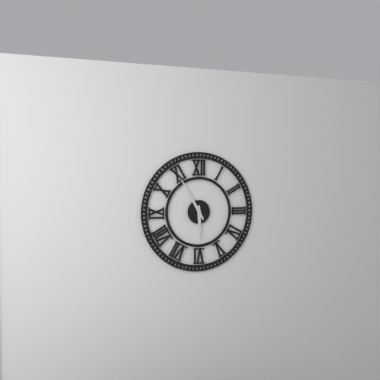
5:55
